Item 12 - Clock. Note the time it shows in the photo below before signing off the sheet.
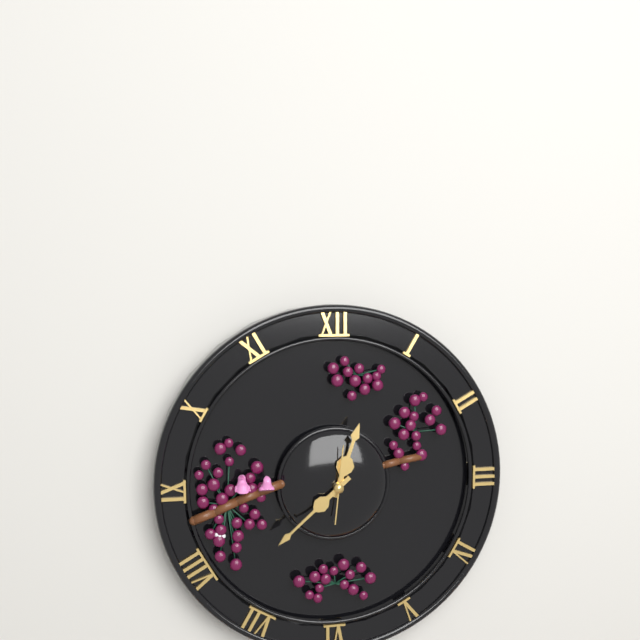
12:38:01
